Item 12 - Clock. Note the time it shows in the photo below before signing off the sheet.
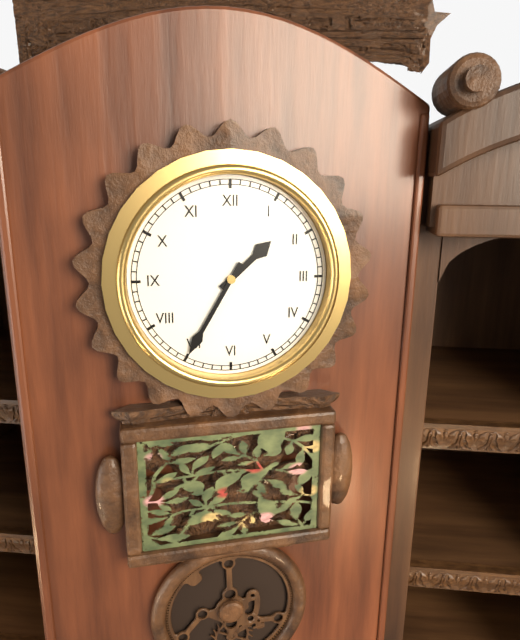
1:35
